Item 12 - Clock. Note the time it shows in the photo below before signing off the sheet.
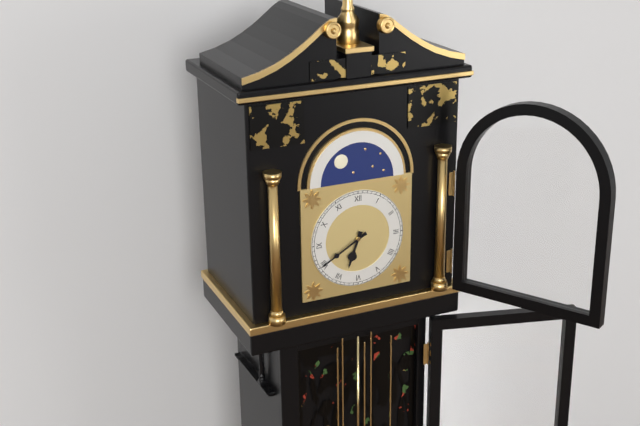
6:40
